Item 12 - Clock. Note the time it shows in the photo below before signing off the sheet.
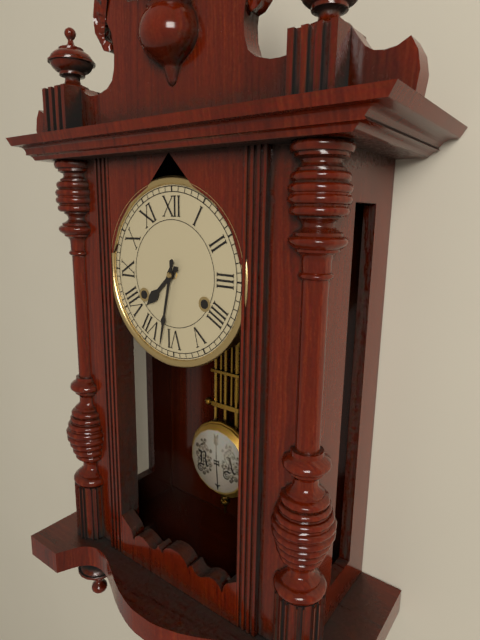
7:32
